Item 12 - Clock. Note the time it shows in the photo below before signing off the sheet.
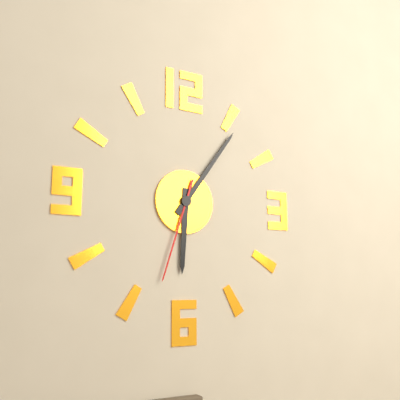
6:06:33
